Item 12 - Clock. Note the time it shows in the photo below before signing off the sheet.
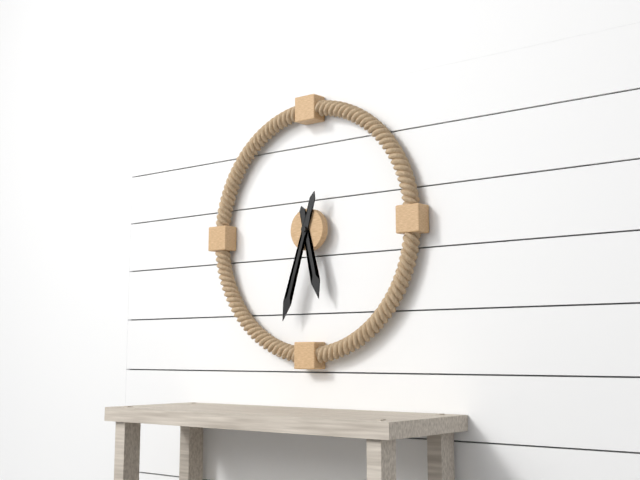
5:33
